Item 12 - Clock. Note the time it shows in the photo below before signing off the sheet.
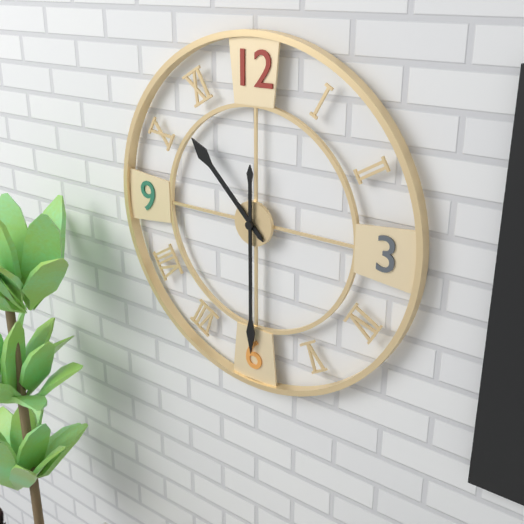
10:30
